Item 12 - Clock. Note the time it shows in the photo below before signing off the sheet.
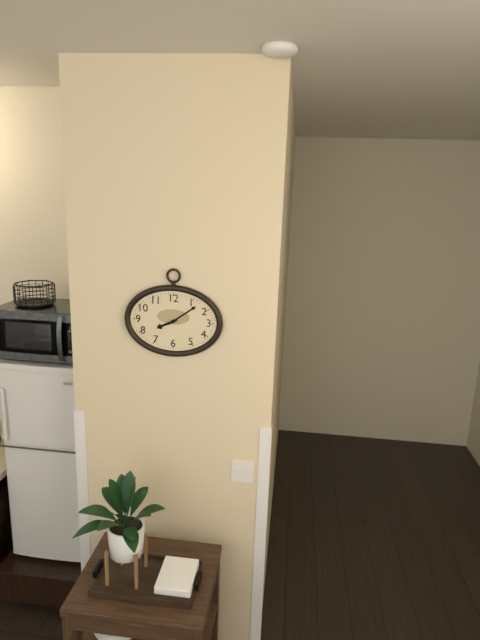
8:09
